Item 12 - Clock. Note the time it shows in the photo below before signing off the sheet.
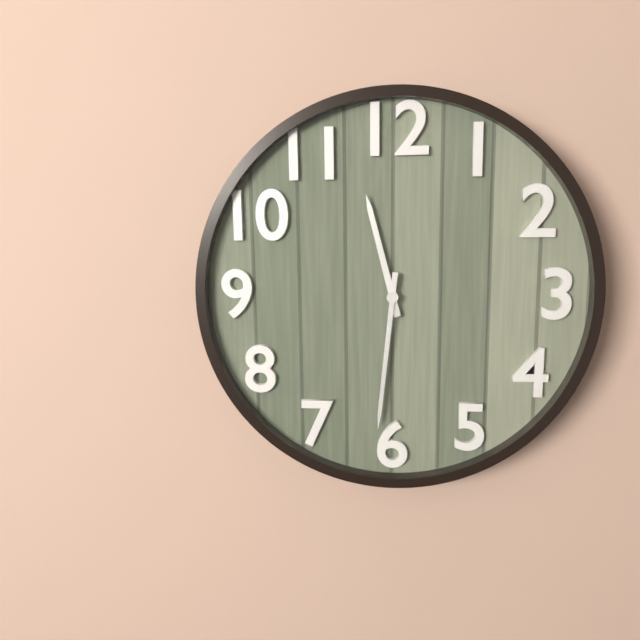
11:31
